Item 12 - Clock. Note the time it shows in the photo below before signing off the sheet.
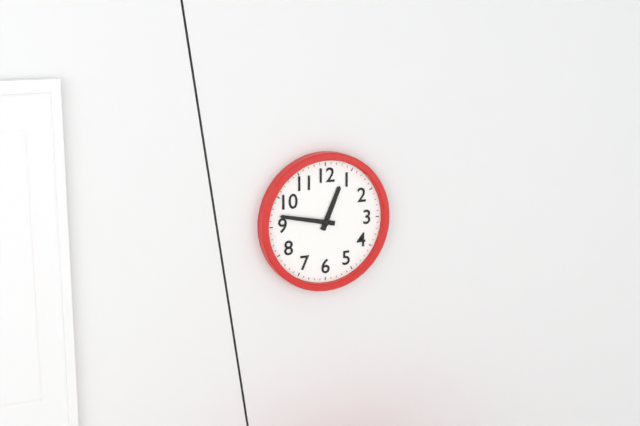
12:47
